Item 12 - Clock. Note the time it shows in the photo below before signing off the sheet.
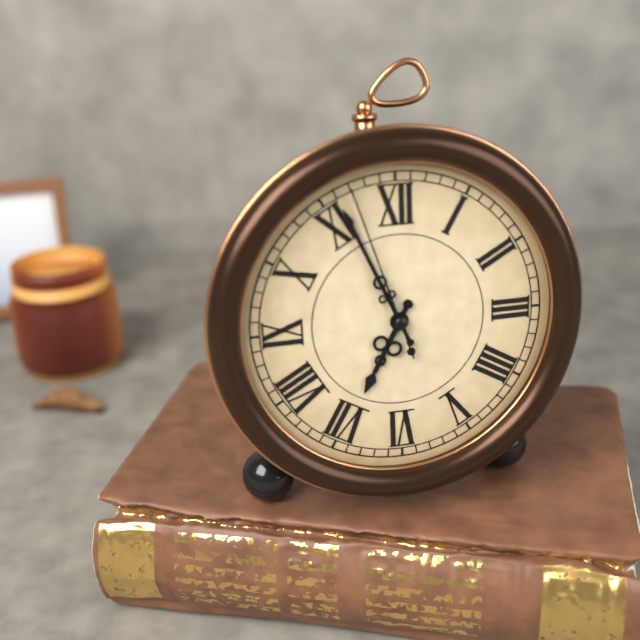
6:56:57
